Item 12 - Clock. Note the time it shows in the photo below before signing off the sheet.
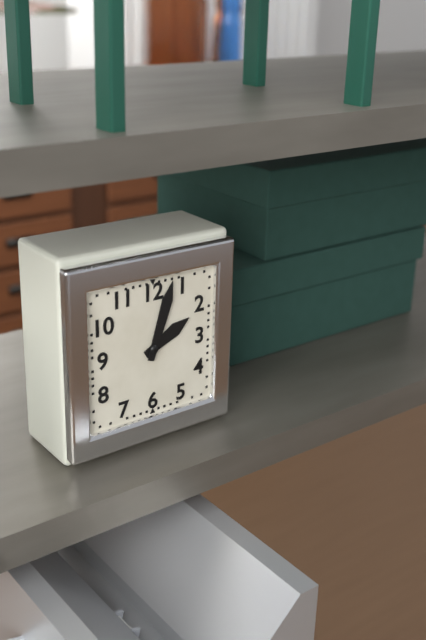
2:03
